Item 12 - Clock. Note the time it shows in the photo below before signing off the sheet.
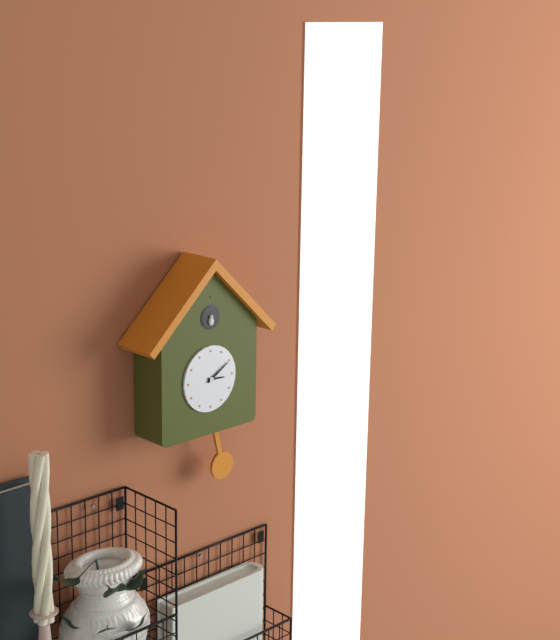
3:10
